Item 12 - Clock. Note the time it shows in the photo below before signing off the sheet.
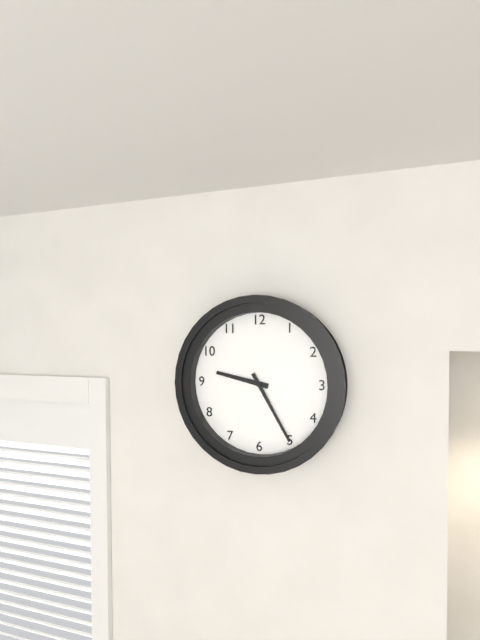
9:25
